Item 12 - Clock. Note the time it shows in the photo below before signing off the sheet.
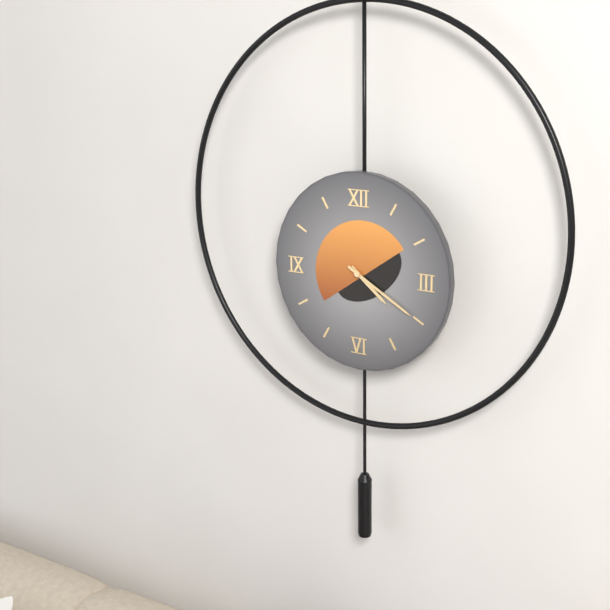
4:20
